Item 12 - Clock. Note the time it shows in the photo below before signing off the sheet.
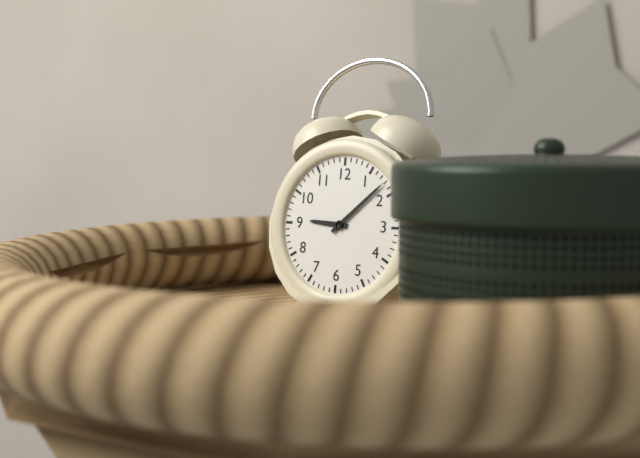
9:08
